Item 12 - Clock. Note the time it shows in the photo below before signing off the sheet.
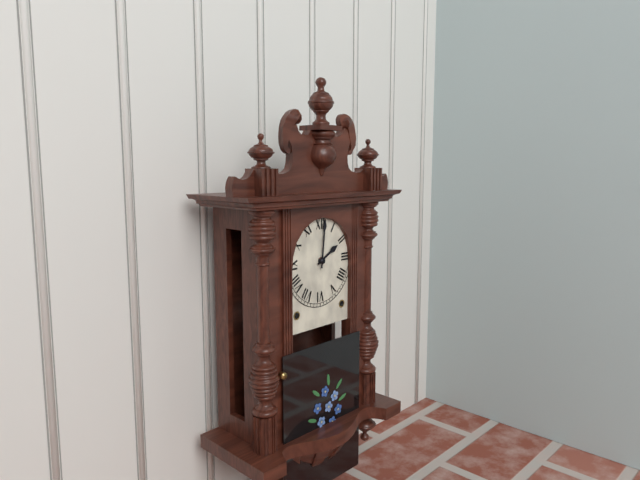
2:01
